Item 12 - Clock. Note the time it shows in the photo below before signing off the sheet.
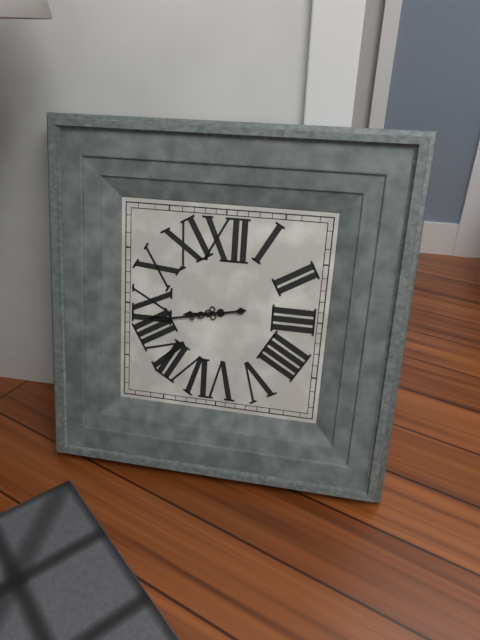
8:43
